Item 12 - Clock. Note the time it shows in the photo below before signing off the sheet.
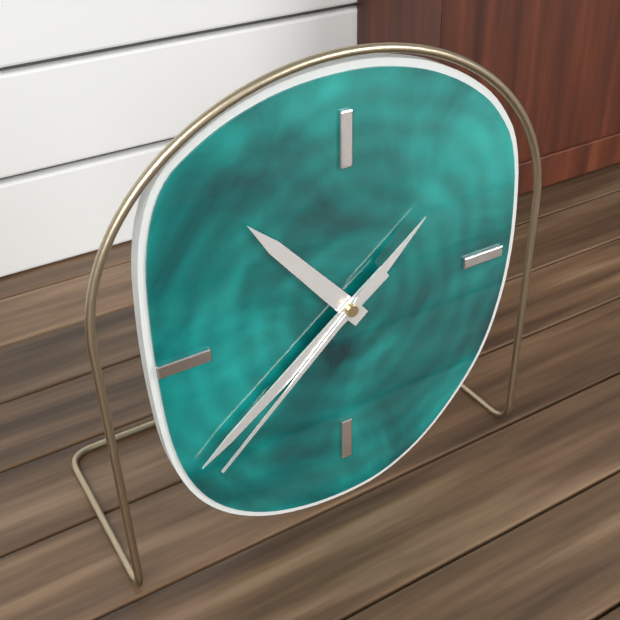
10:39:38
